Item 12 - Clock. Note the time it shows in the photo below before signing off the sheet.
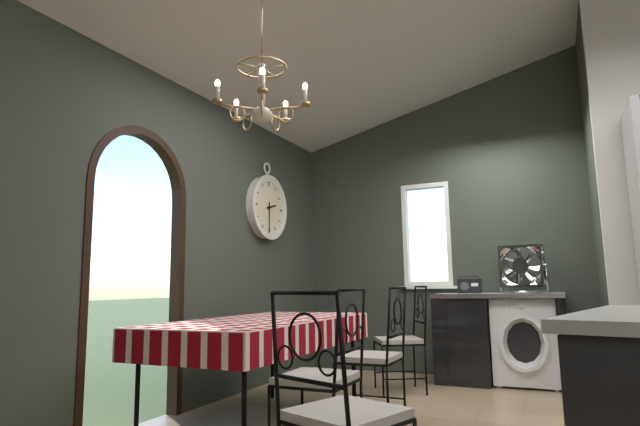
2:30
